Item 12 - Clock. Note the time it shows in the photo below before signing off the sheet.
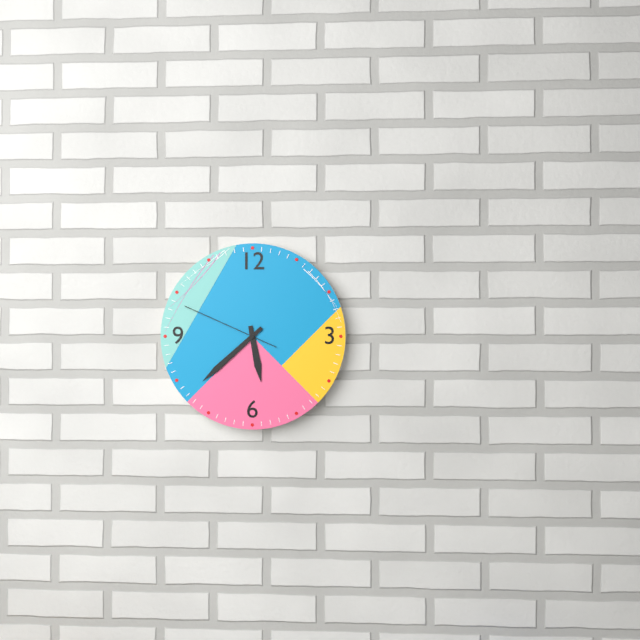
5:38:49
